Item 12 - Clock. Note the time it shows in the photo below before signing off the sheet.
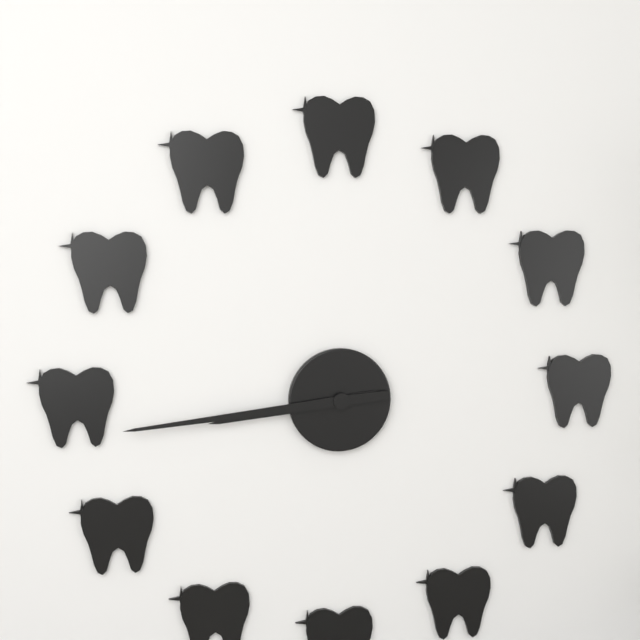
8:44
